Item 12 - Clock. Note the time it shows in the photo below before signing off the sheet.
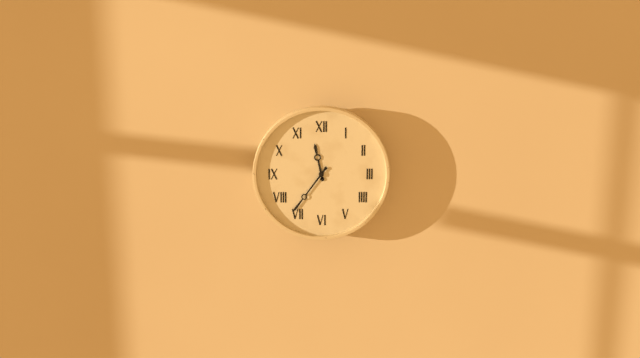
11:36
